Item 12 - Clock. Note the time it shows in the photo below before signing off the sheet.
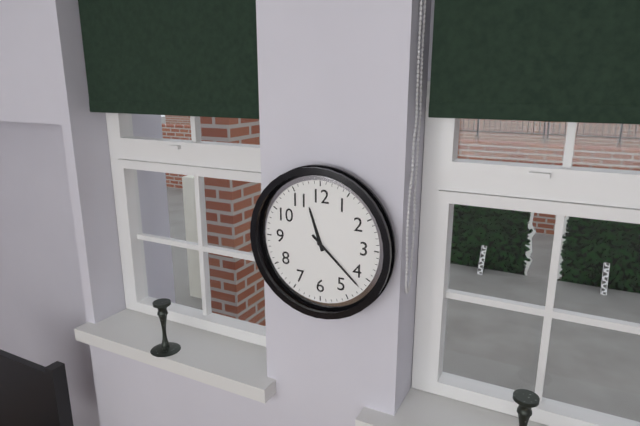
11:22
